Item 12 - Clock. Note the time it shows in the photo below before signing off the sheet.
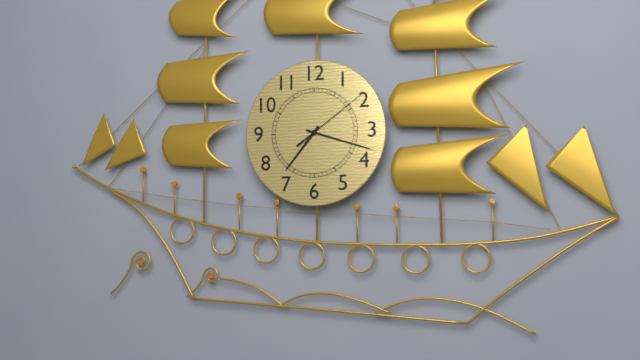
7:18:09
